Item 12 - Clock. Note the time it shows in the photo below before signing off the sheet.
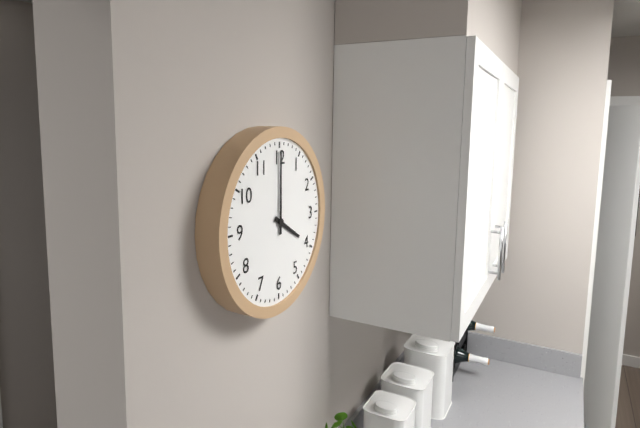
4:00
